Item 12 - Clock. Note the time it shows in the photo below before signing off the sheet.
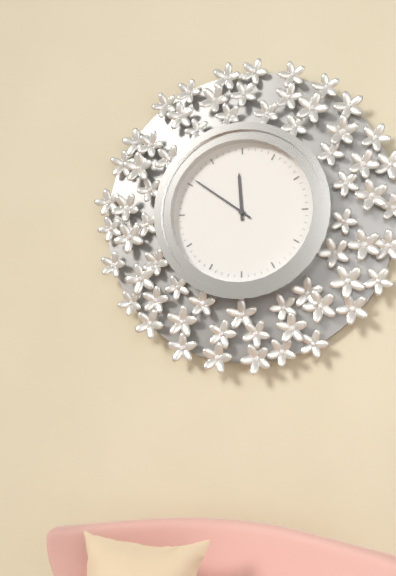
11:51
